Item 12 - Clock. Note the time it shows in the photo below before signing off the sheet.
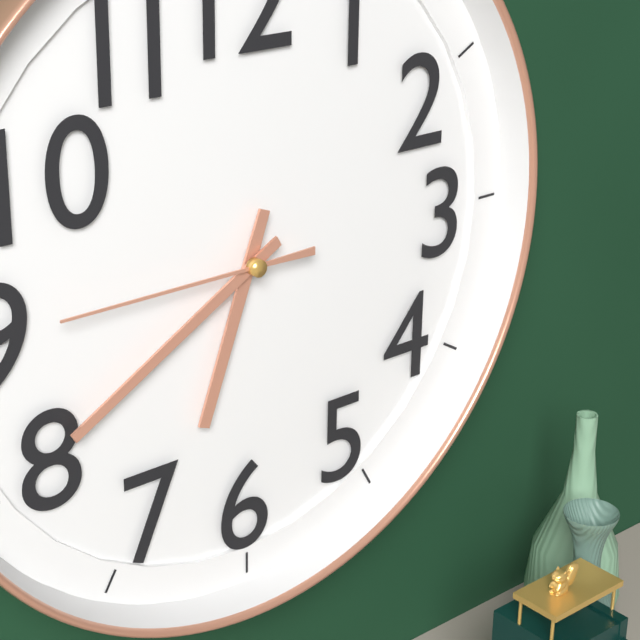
6:40:45
